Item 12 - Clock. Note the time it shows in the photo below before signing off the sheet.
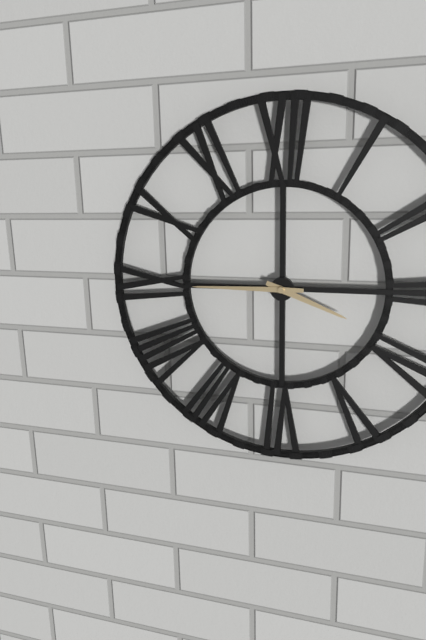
3:45
